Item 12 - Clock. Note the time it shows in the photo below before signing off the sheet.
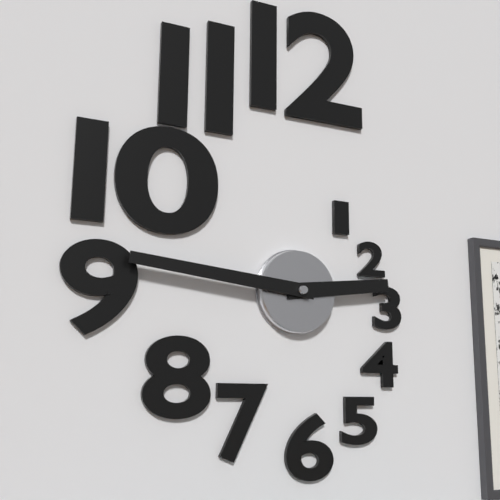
2:46
